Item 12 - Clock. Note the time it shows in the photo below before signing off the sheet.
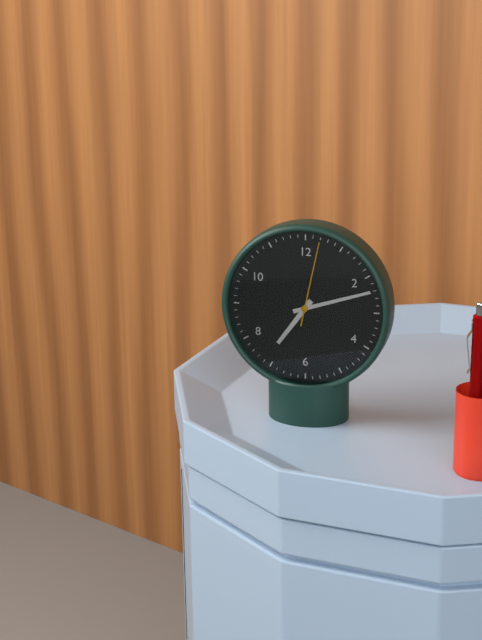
7:12:02
